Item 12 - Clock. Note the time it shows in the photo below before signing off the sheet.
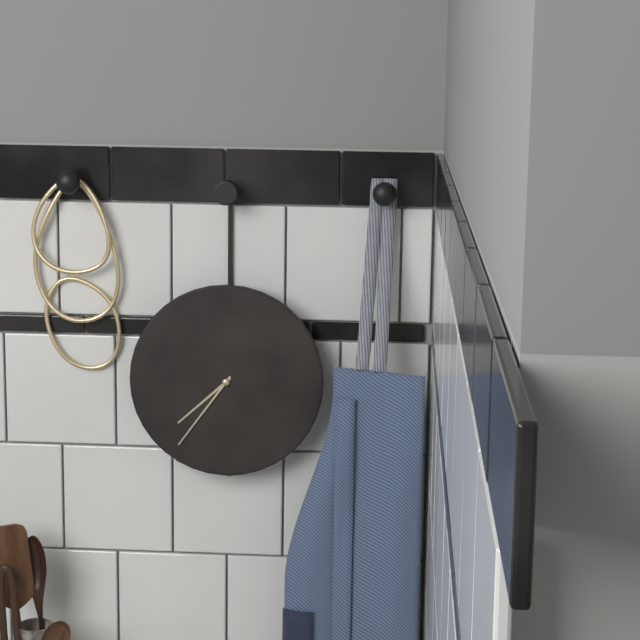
7:36
